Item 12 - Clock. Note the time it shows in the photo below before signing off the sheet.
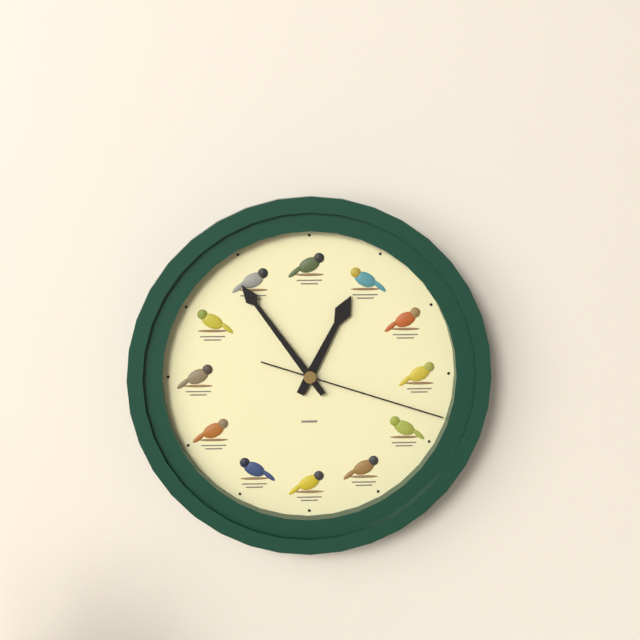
12:54:18
